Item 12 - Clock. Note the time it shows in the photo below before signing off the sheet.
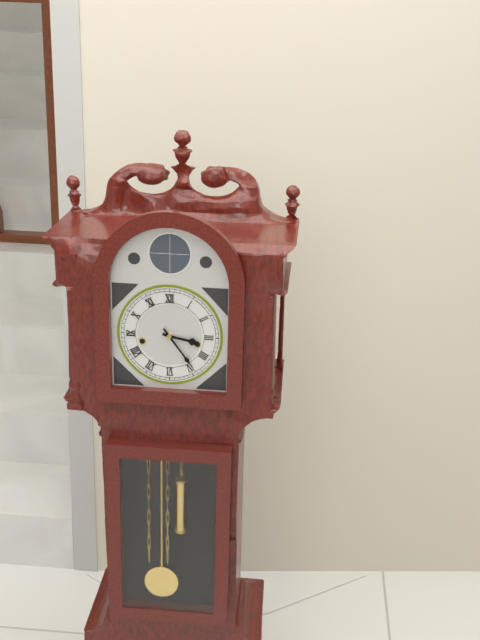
3:24
